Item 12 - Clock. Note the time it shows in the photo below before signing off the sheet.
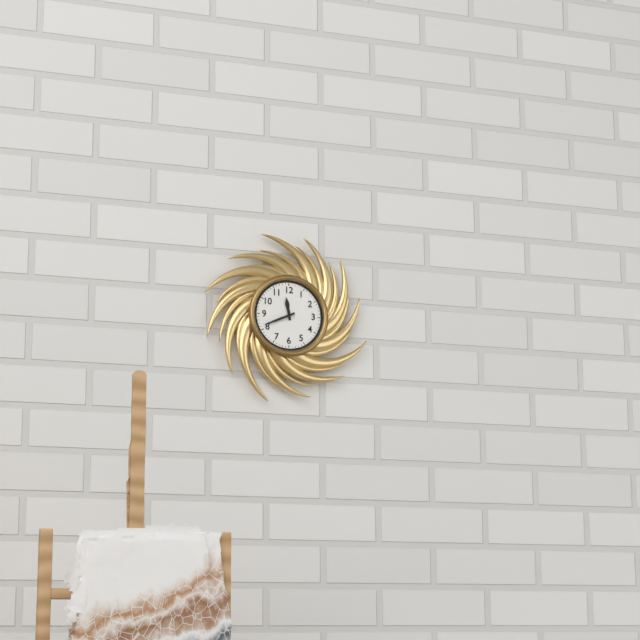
11:41
